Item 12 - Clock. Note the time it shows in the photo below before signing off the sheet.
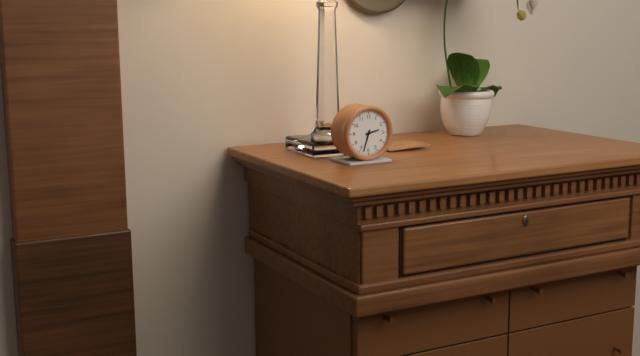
2:33
